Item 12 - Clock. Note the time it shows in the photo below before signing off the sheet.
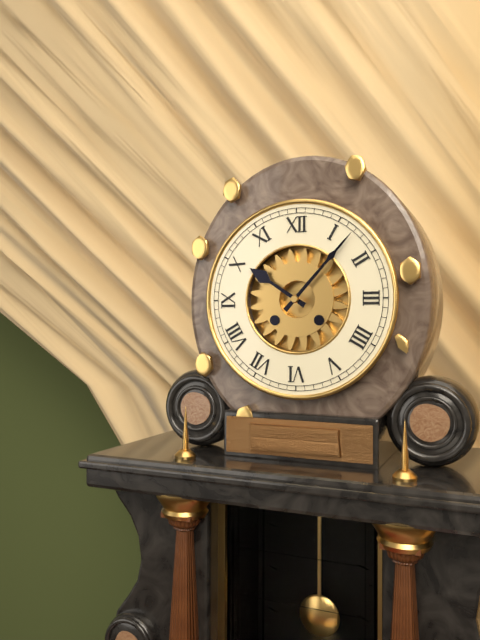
10:07
